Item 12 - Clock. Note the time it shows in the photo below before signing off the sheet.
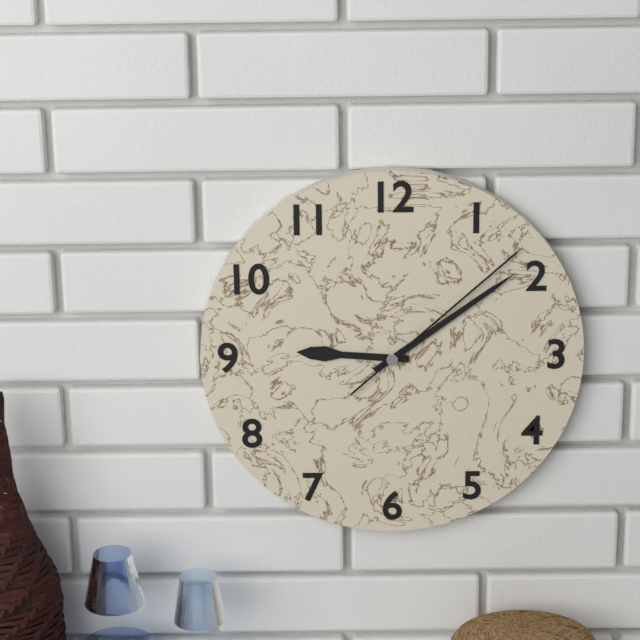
9:09:08
